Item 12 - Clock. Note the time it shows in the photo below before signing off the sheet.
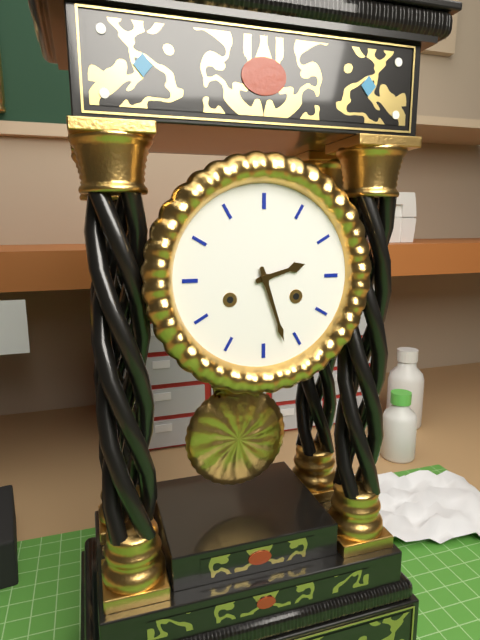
2:27
